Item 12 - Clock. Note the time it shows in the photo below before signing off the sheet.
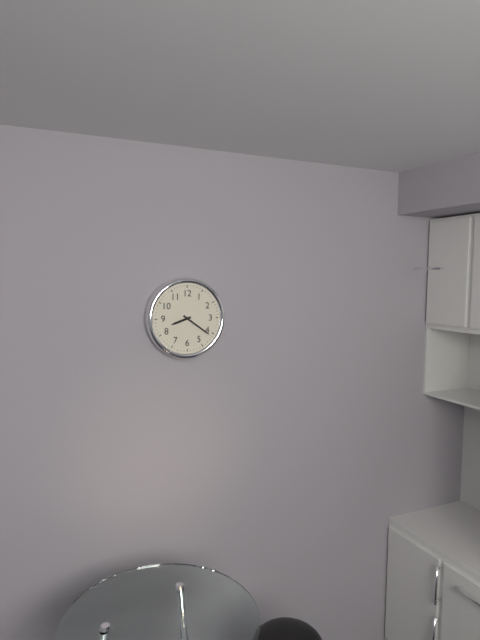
8:21
